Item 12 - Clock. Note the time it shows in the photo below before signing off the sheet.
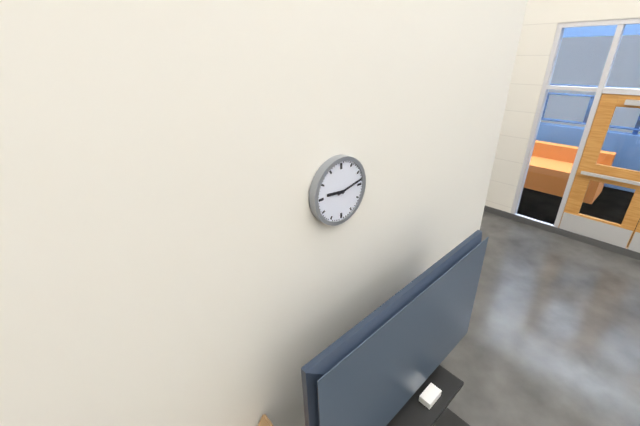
9:13
